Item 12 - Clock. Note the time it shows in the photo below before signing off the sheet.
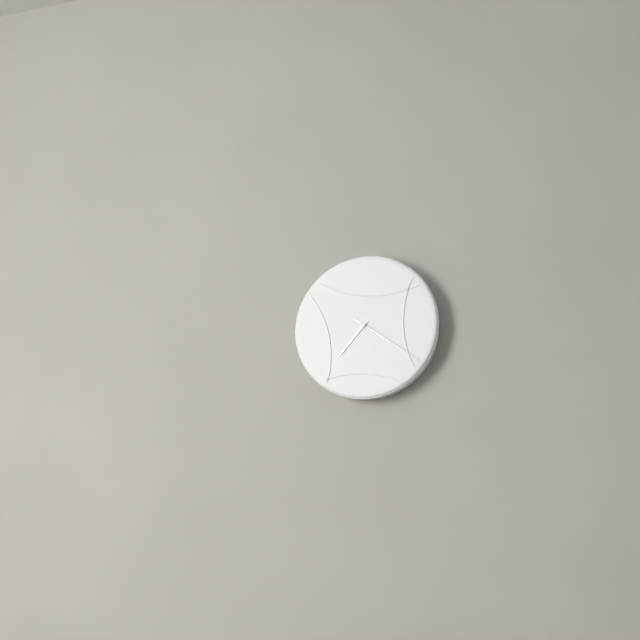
7:21
